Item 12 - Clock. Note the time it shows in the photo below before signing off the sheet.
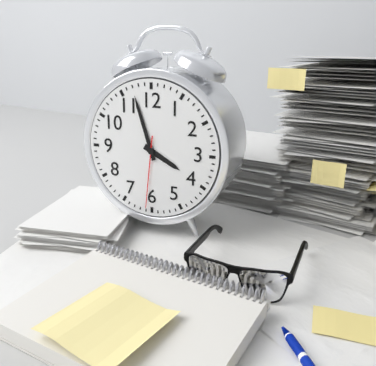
3:57:31
